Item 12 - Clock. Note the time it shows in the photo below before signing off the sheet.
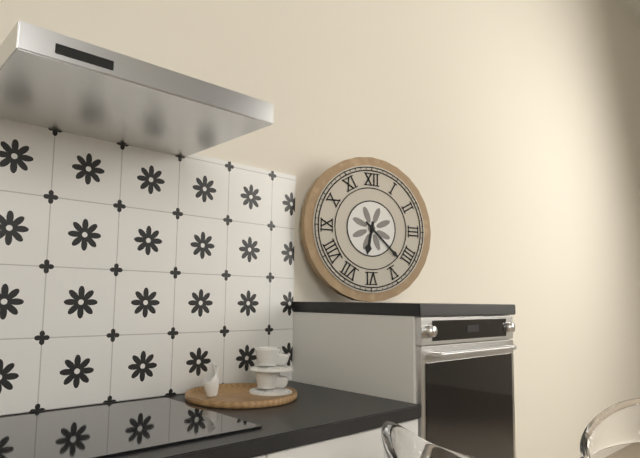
6:22
